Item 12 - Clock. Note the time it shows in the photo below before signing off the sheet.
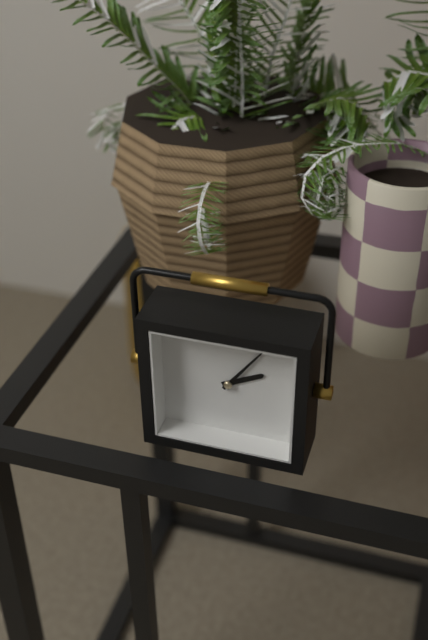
2:06
